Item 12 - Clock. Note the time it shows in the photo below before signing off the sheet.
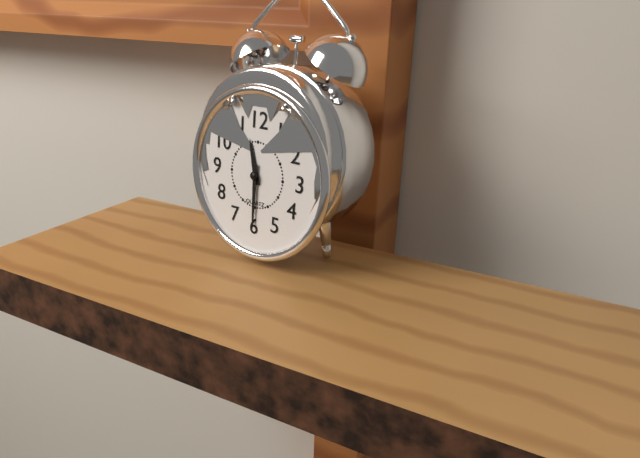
11:30
